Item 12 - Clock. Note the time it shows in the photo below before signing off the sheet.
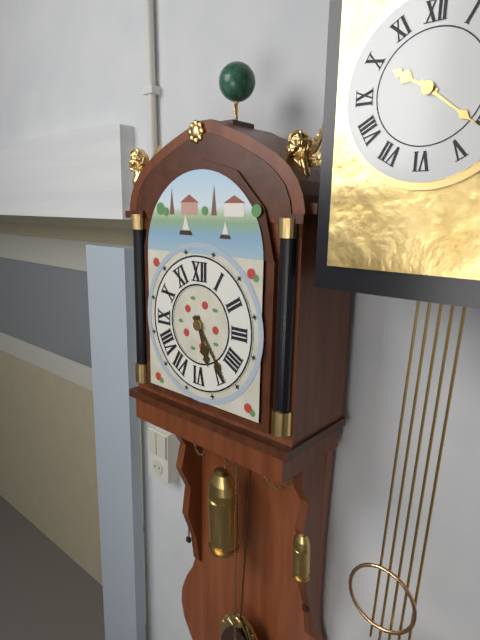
5:24
